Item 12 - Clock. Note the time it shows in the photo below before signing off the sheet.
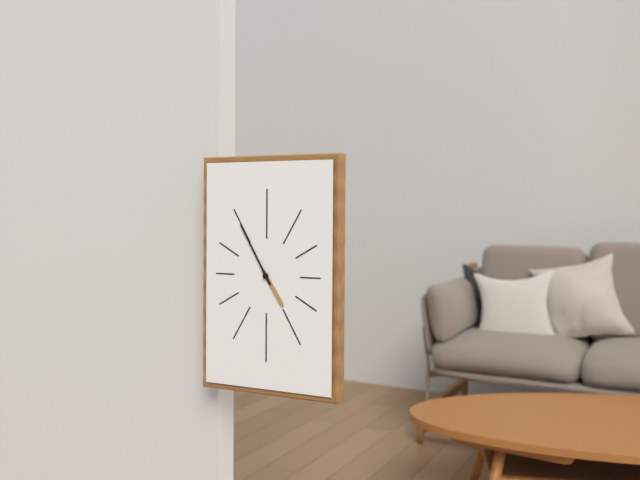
4:55
